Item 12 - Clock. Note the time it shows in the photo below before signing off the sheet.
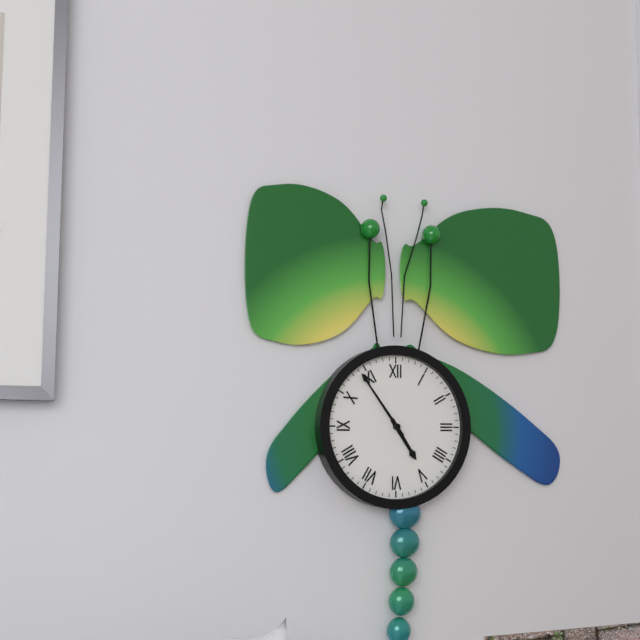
4:54
